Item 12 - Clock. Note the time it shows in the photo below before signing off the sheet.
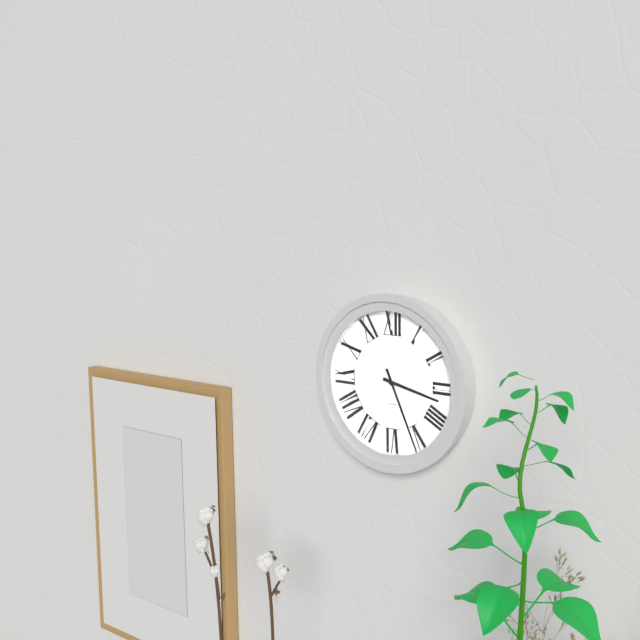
3:26
